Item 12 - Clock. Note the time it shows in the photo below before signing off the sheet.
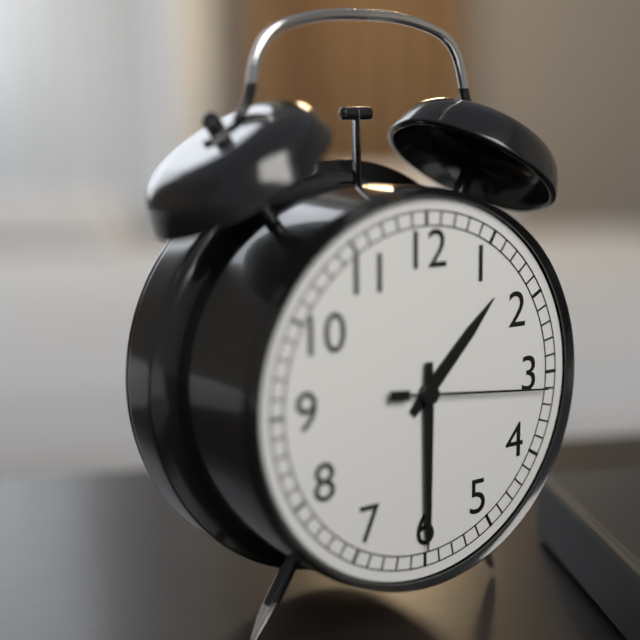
1:30:16
